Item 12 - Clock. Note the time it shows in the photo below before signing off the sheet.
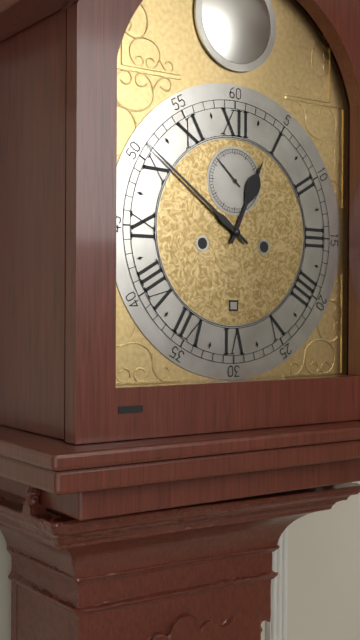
12:51
